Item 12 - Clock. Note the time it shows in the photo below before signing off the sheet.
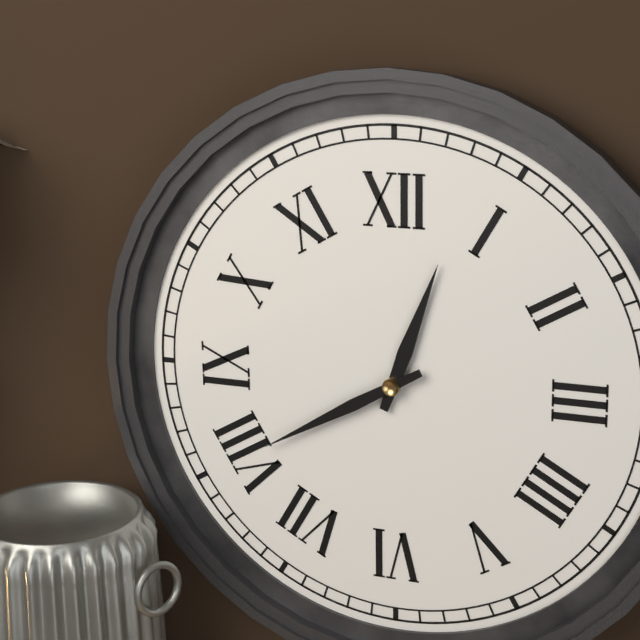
12:40
